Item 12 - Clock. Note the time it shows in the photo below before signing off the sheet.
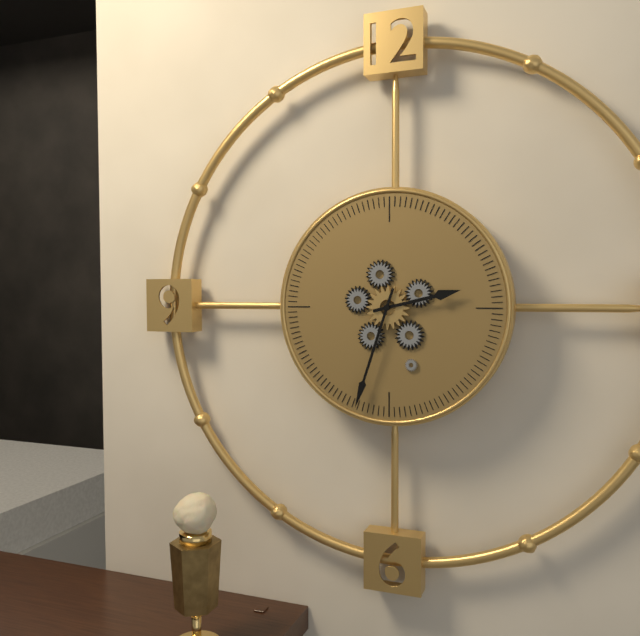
2:33
